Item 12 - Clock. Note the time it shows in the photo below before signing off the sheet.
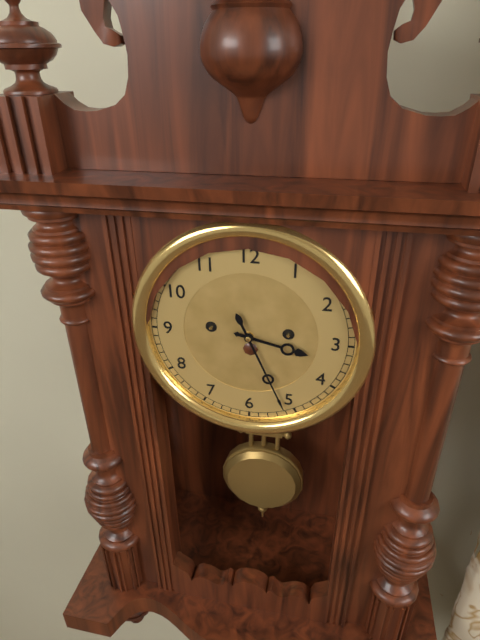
3:26
